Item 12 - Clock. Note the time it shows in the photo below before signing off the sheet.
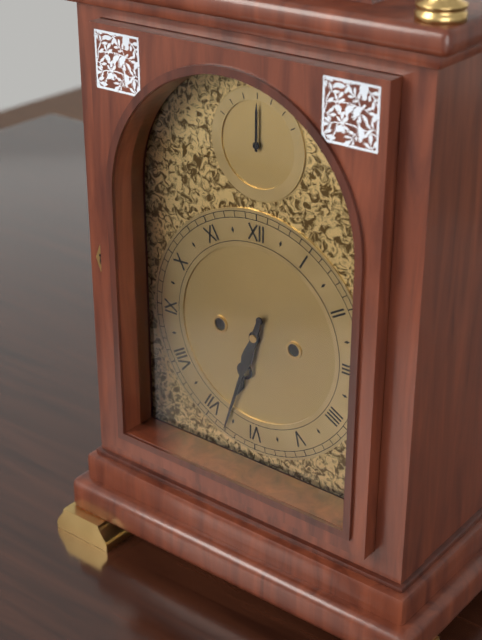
6:33
